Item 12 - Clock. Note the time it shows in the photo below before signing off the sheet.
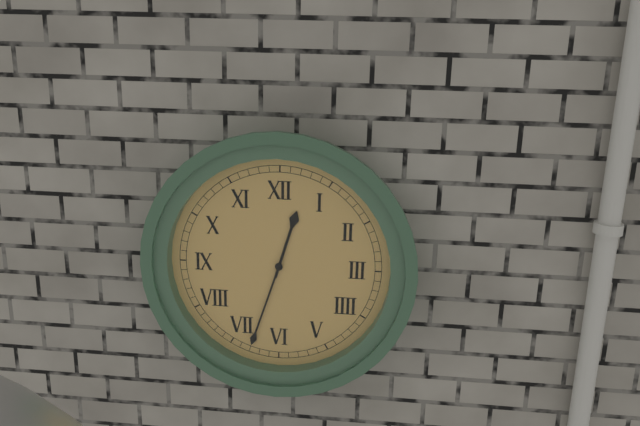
12:33
